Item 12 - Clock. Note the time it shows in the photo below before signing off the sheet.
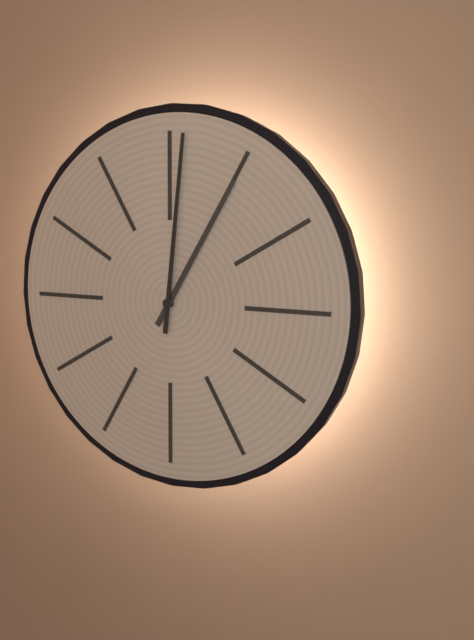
1:01
